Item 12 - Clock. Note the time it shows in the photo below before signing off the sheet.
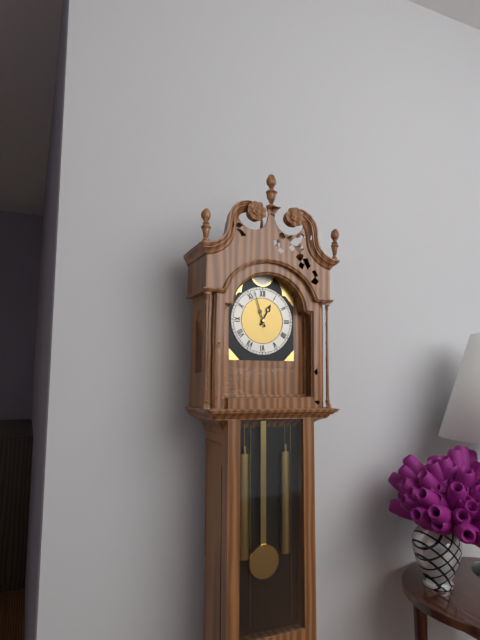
12:57
